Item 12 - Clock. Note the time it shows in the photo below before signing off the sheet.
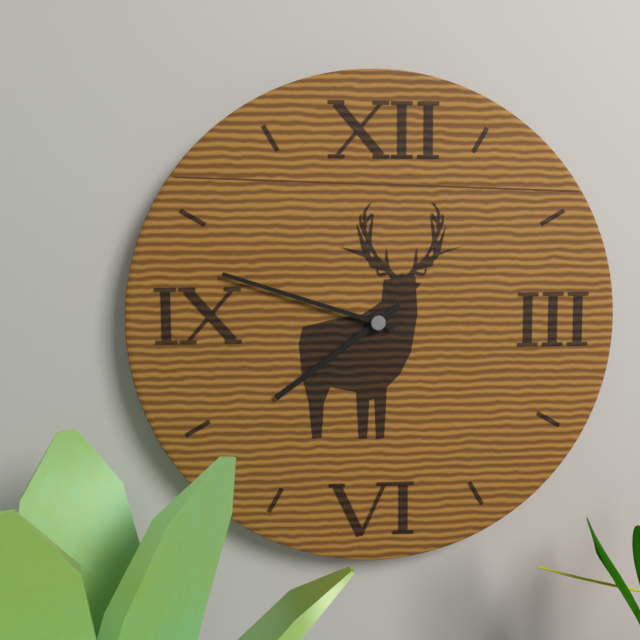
7:48
